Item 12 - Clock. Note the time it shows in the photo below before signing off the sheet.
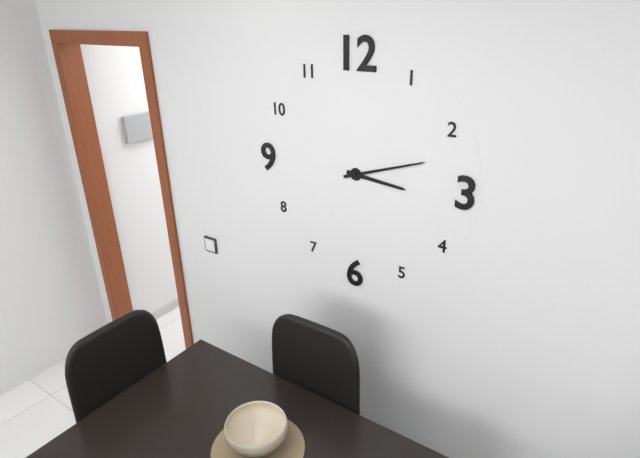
3:12
